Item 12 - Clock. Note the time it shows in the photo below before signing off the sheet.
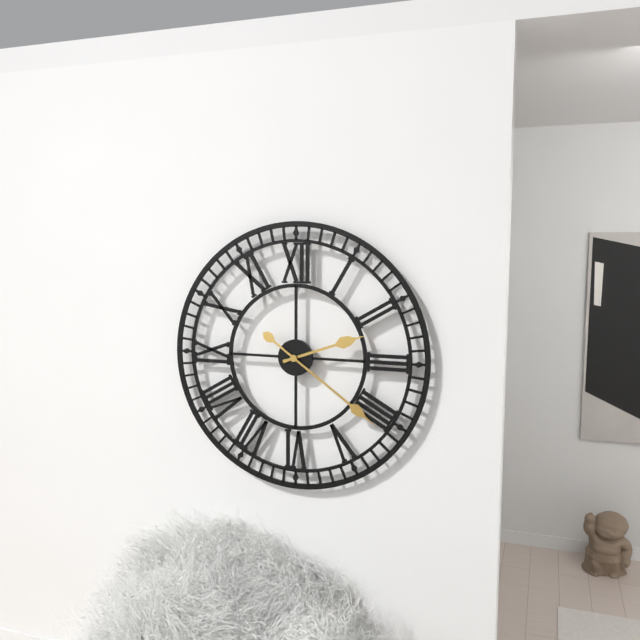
2:21
